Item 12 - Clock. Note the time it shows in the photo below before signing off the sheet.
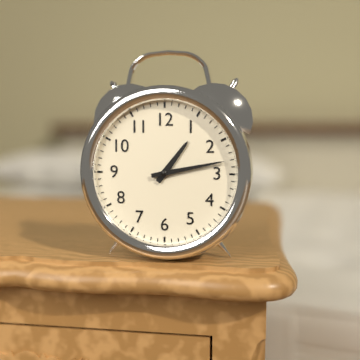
1:13
